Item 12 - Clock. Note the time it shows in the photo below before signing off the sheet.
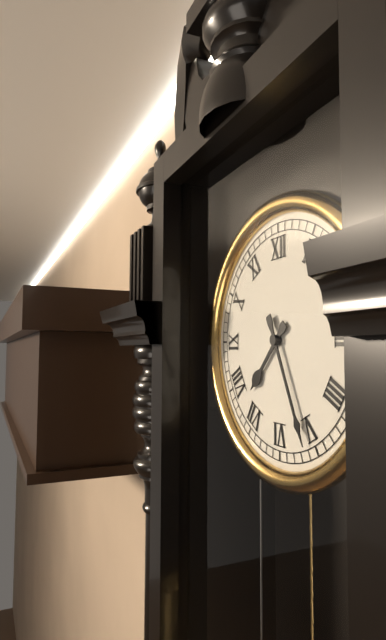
7:26
